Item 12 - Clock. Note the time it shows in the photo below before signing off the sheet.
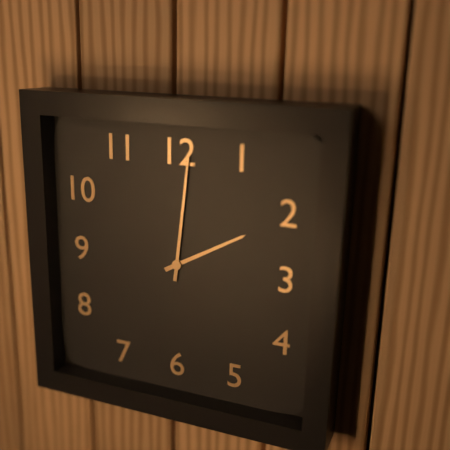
2:01
